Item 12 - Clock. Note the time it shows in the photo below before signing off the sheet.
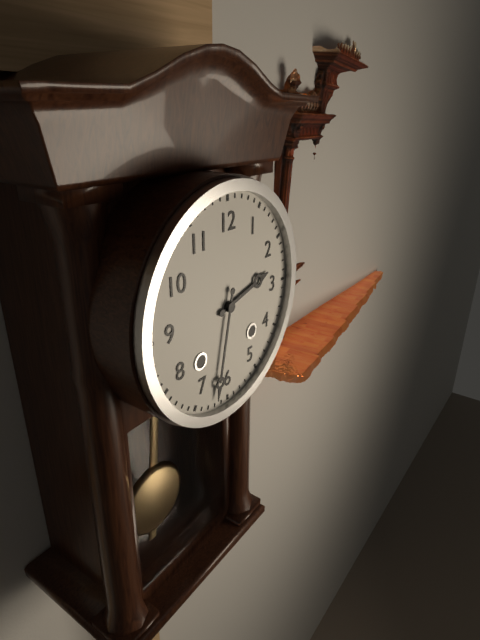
2:32
